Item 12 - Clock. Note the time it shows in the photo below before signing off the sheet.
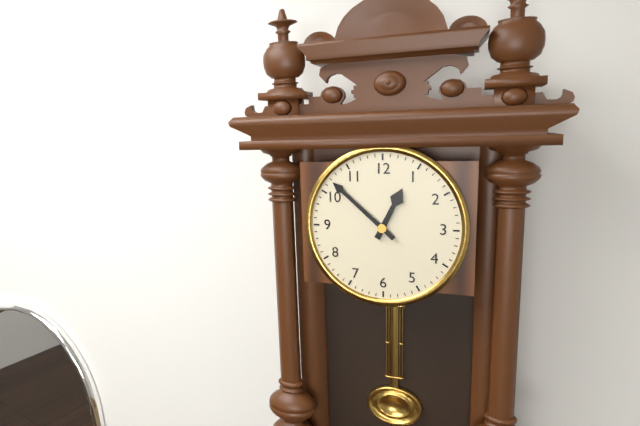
12:52
